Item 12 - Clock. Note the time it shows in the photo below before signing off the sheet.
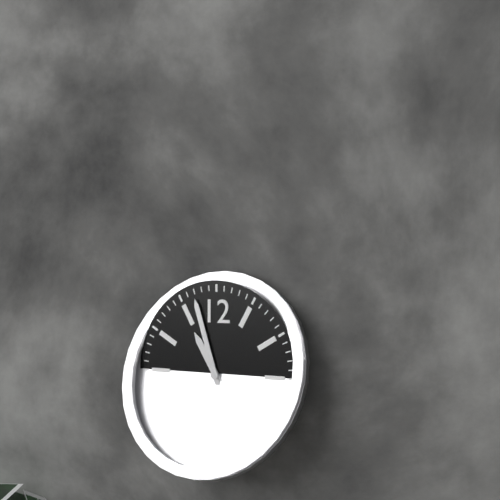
10:57
